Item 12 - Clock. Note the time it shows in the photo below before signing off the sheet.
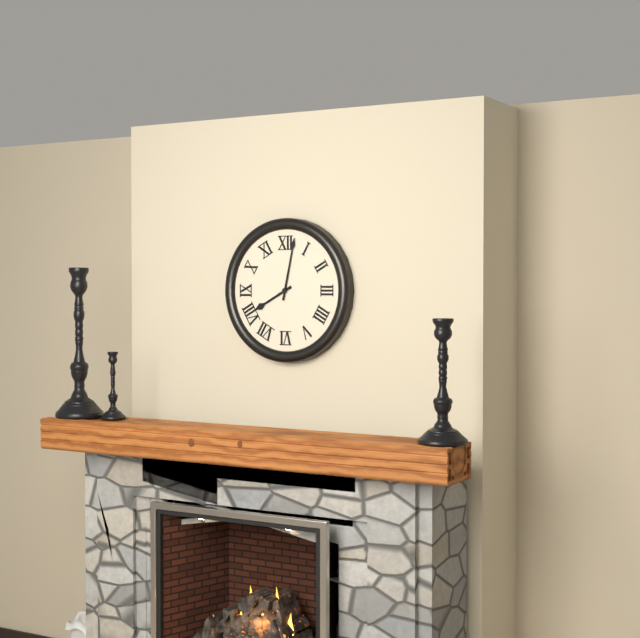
8:02
